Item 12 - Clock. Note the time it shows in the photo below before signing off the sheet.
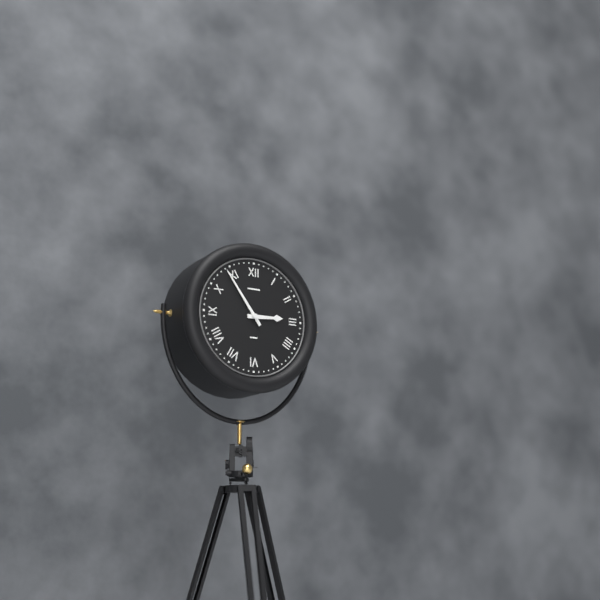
2:54
